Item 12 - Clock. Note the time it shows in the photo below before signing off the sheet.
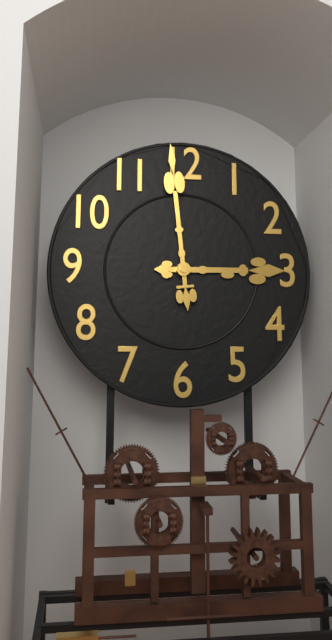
2:59
